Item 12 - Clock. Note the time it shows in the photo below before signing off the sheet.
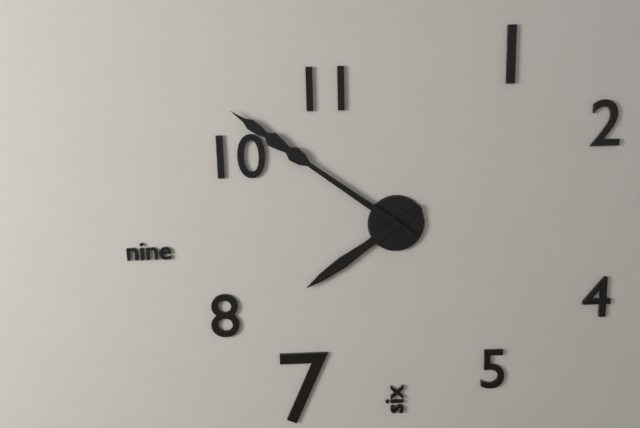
7:51
